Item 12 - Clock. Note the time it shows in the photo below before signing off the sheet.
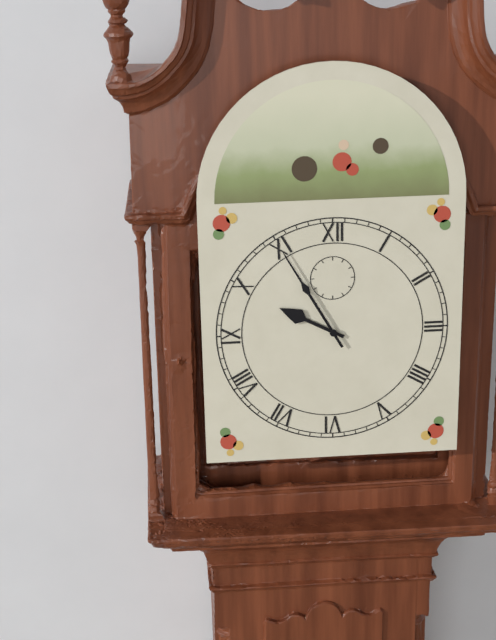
9:55
